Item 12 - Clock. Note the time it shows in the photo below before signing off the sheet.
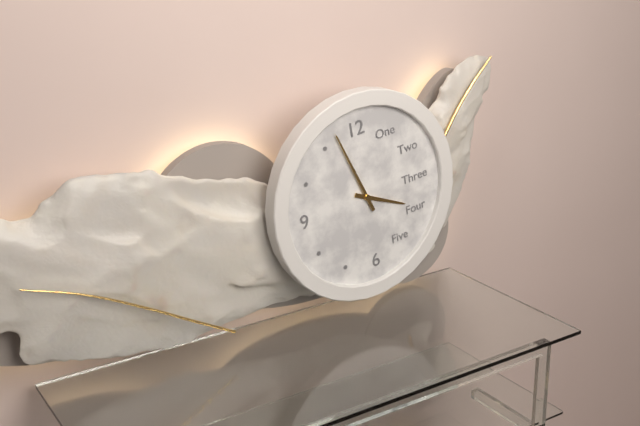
3:57
